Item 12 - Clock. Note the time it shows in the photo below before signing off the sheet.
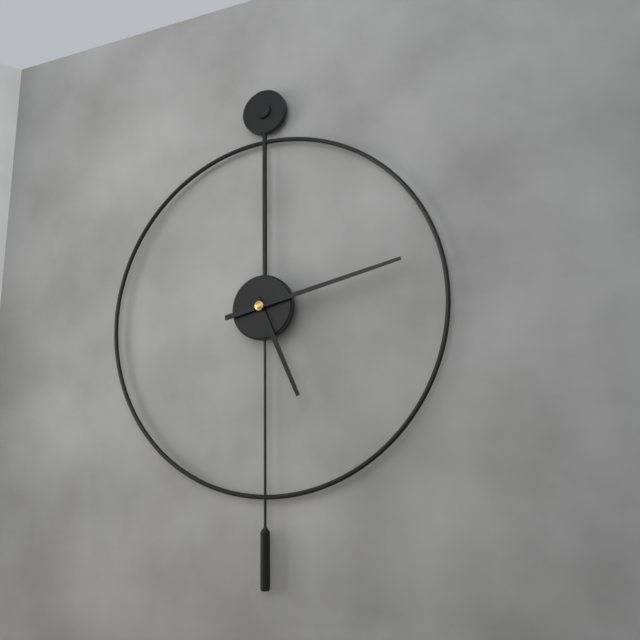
5:13
